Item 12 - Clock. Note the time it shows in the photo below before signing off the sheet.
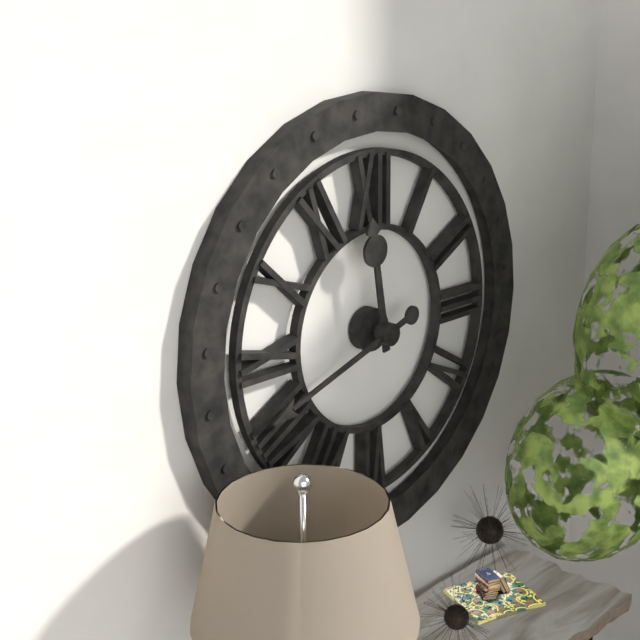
11:42
